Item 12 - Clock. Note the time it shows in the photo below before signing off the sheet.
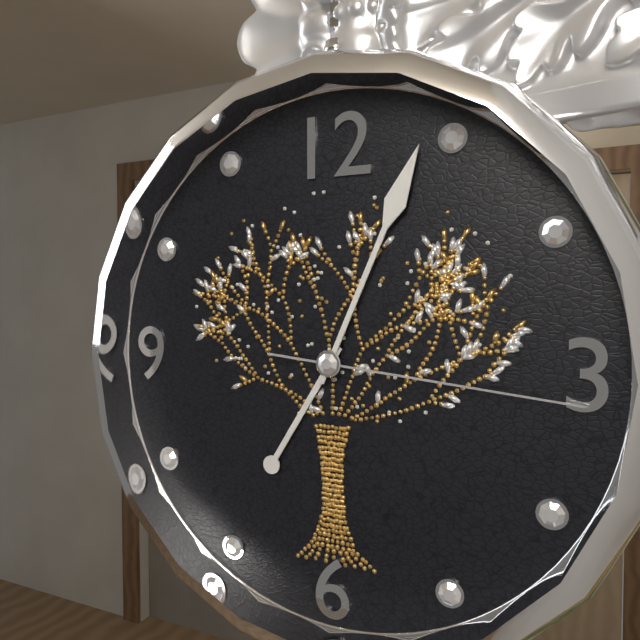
7:04:16
